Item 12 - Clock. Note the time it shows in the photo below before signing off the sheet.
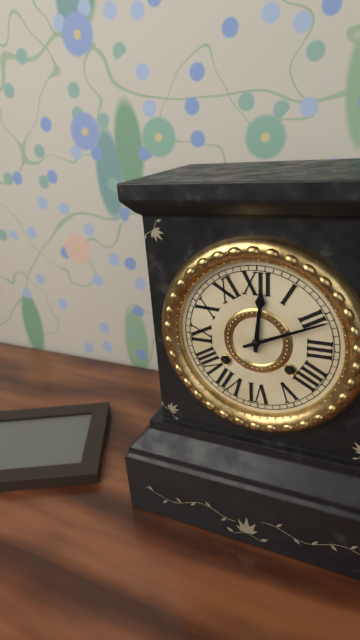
12:11
